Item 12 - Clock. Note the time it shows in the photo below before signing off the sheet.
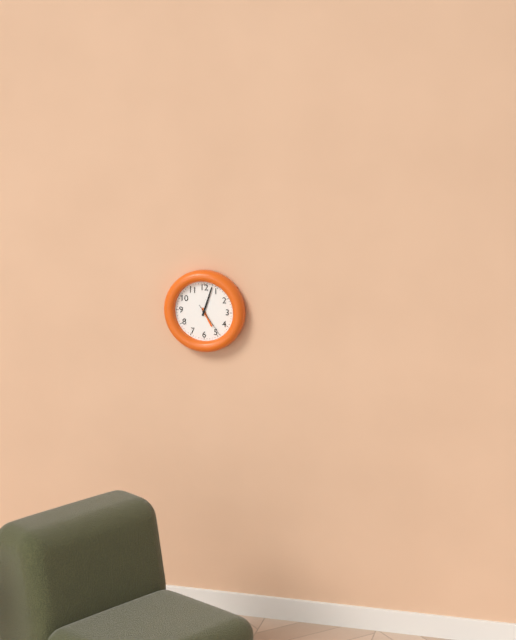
5:03
